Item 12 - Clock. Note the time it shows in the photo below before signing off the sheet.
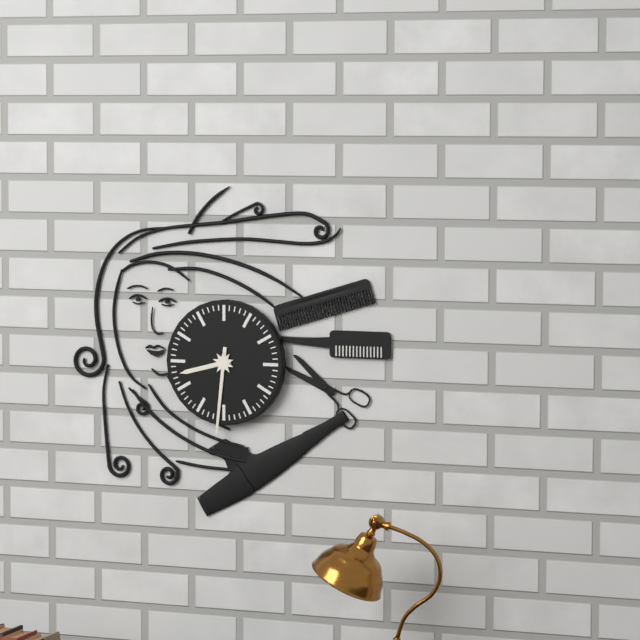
8:31
